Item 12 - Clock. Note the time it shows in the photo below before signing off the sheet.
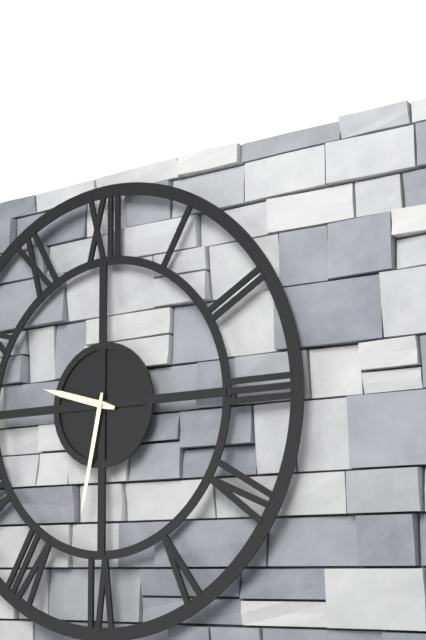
9:32
